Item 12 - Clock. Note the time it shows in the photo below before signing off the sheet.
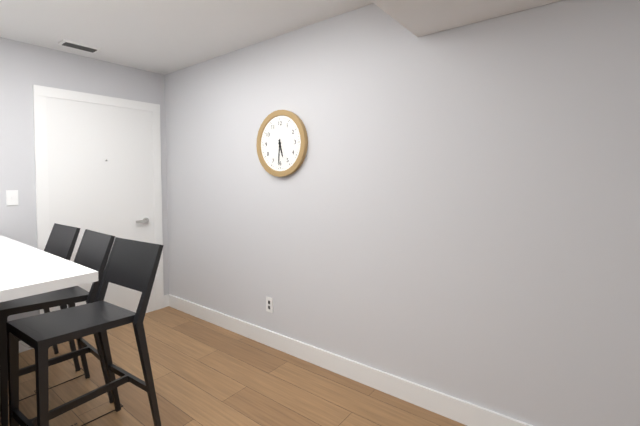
5:31
